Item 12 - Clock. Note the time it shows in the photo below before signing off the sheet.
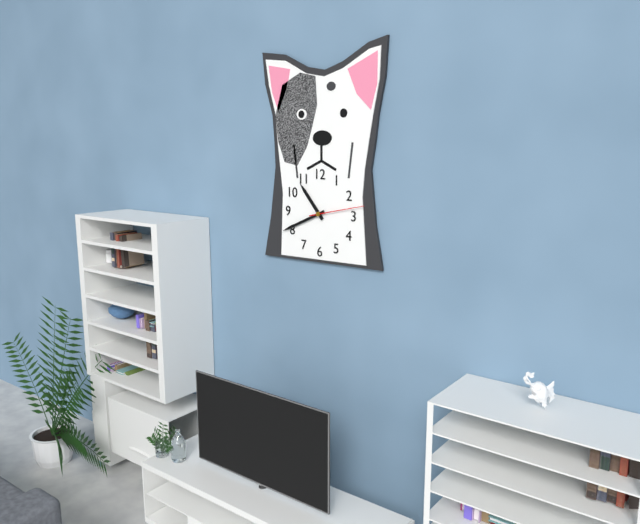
10:41:13
